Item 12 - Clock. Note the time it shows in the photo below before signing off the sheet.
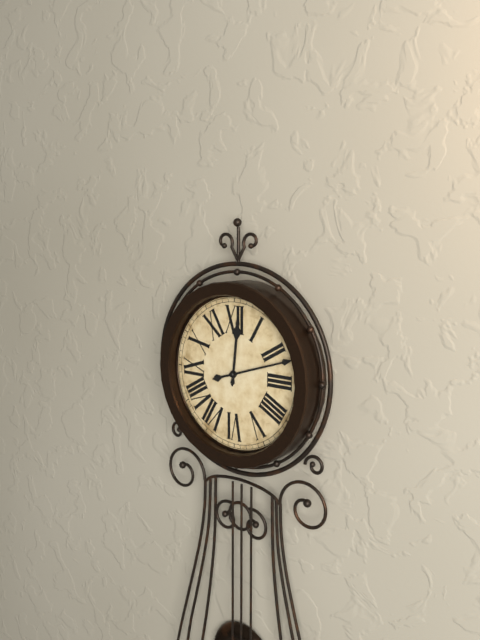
12:12
